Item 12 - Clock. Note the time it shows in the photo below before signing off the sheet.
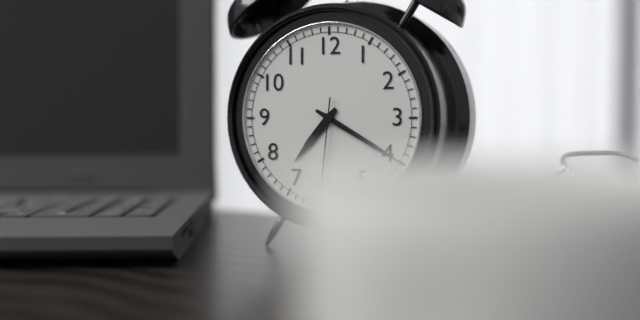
7:20
